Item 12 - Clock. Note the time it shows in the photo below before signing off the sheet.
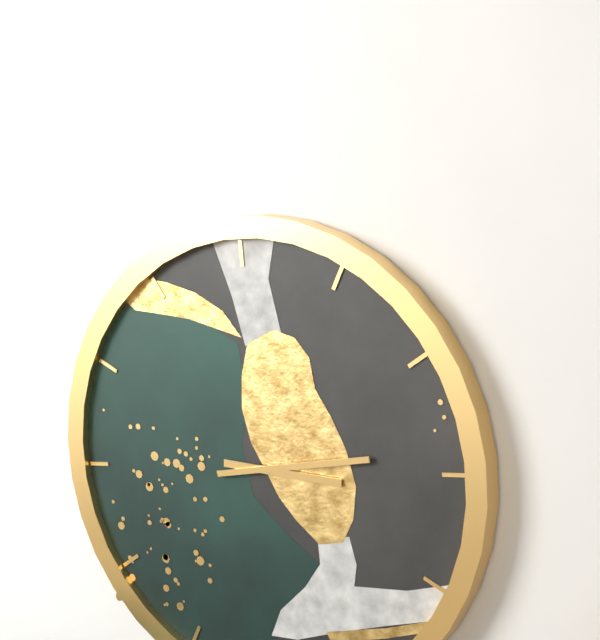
3:14
